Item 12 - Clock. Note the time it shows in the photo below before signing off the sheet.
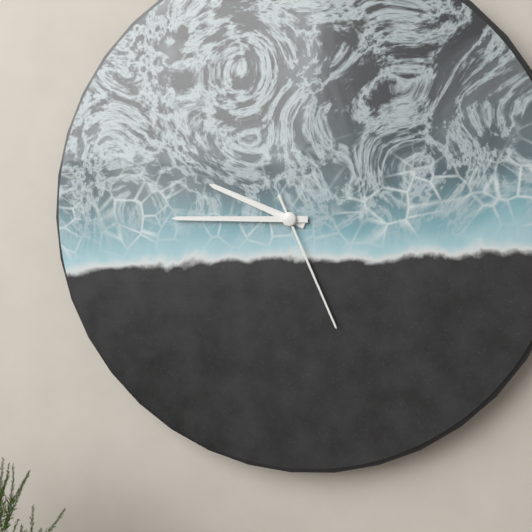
9:45:26
